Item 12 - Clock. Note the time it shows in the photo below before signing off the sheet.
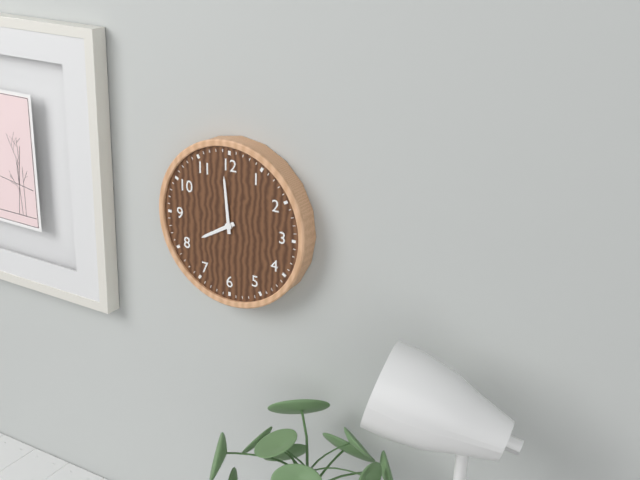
7:59
